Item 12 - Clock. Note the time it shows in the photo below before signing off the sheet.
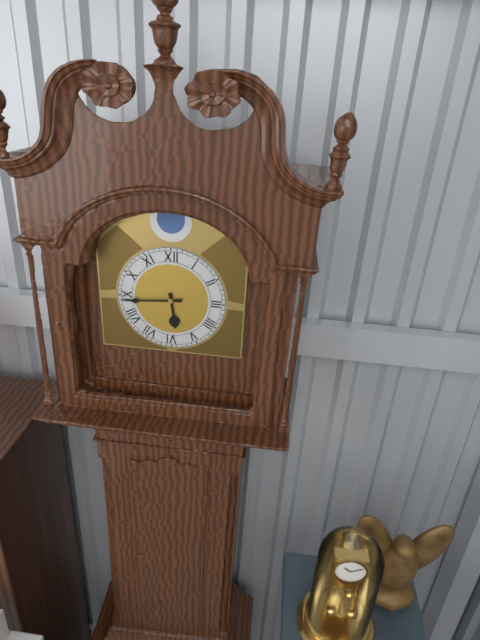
5:44
